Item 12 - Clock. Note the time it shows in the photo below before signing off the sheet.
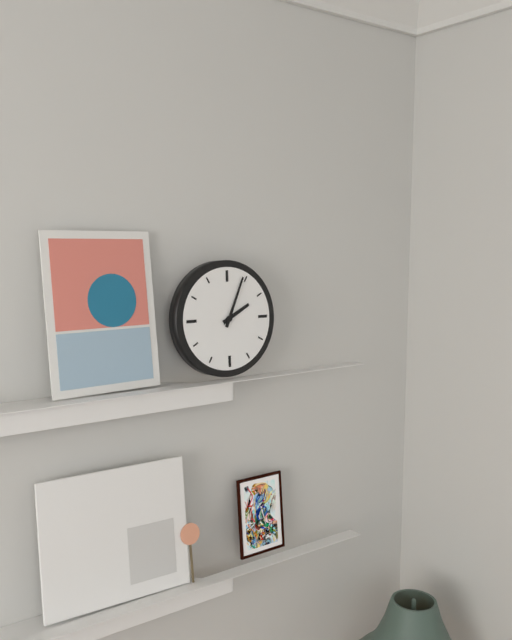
2:04
